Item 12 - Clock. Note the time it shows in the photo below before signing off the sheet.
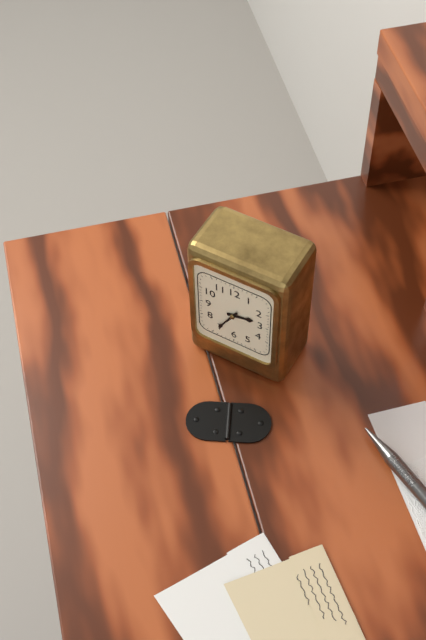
2:35
